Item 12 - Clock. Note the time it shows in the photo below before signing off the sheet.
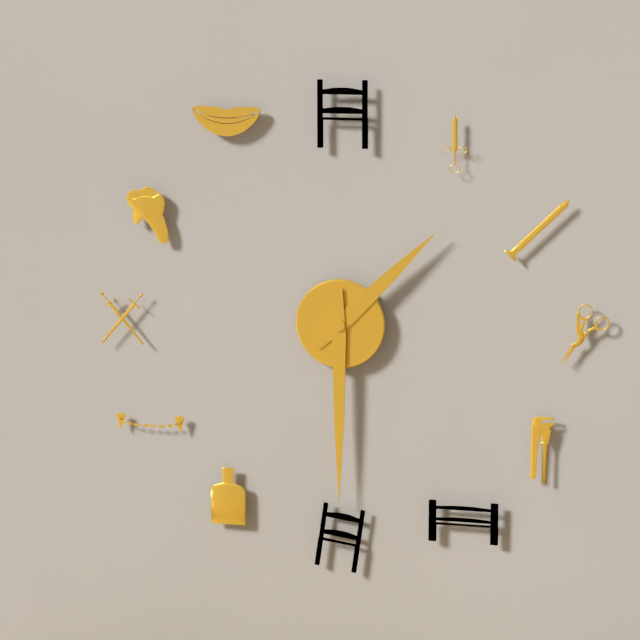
1:30
